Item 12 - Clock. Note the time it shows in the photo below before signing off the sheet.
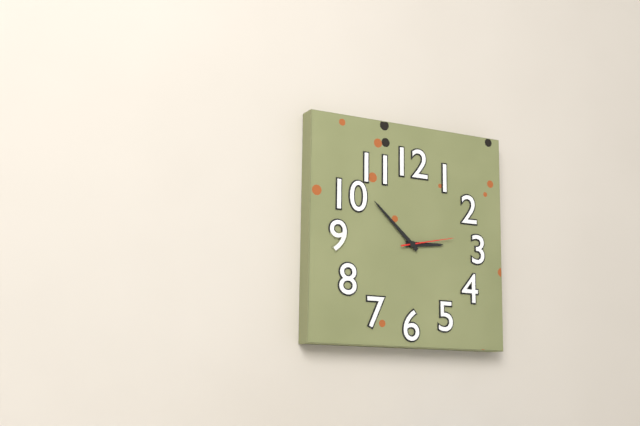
2:52:13
